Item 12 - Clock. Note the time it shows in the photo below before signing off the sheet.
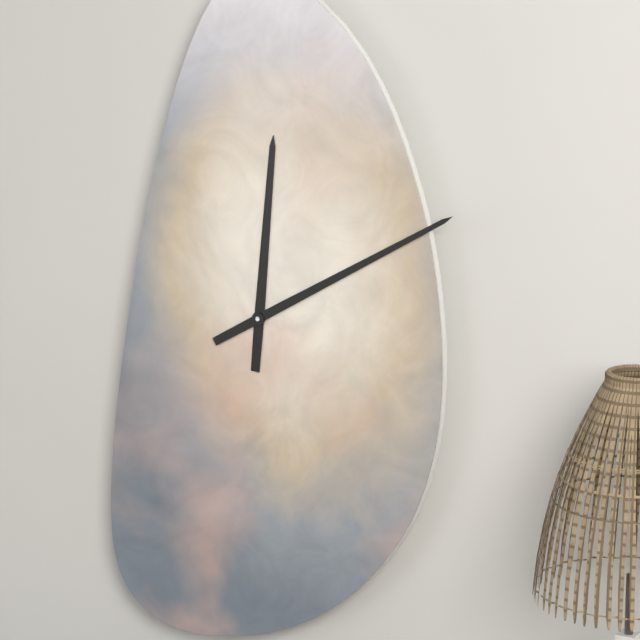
12:10
